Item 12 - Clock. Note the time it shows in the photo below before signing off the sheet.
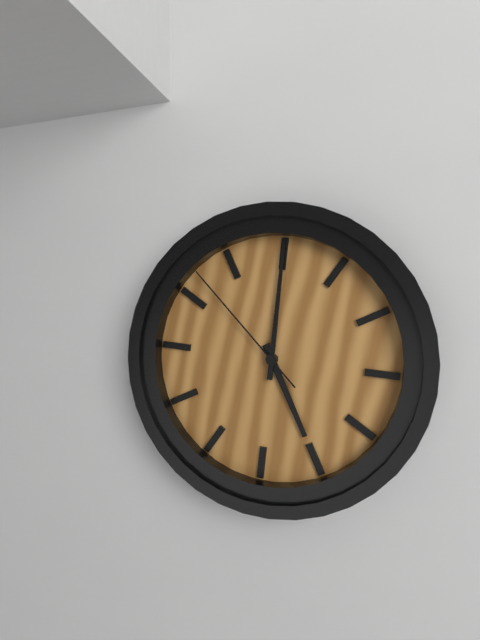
5:00:52
